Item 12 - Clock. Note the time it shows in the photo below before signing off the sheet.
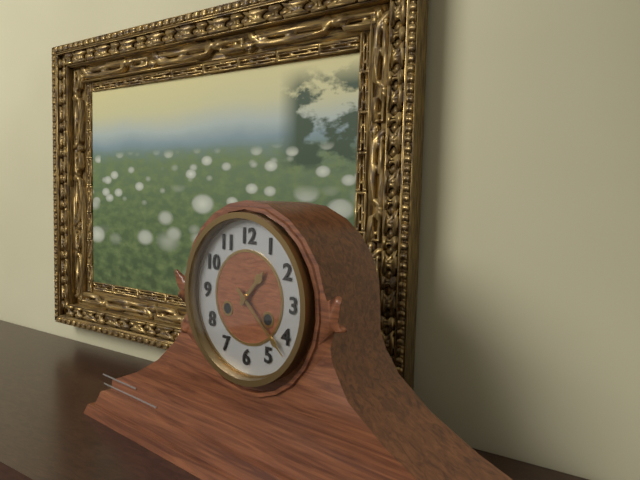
1:22
